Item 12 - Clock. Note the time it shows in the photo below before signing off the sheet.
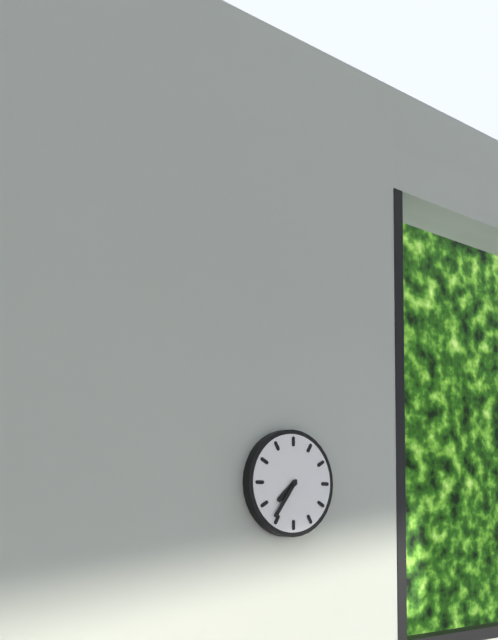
7:36
